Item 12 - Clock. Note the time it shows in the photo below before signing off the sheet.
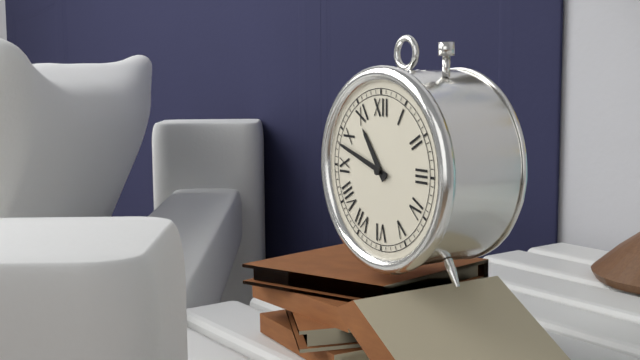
10:48
